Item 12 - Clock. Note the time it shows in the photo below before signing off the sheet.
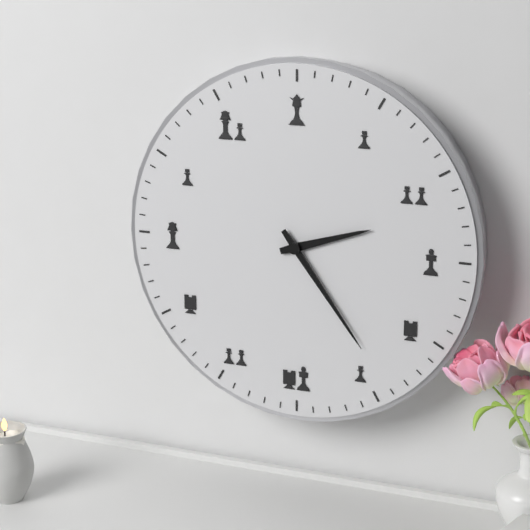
2:24
